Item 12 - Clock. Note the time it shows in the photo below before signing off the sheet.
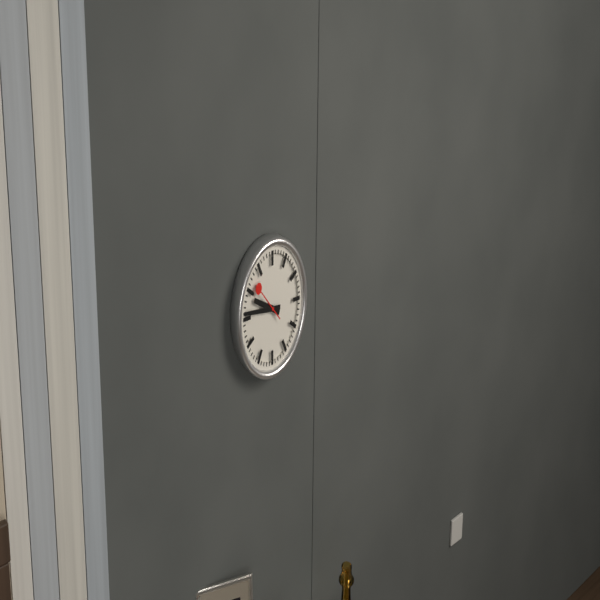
9:46
